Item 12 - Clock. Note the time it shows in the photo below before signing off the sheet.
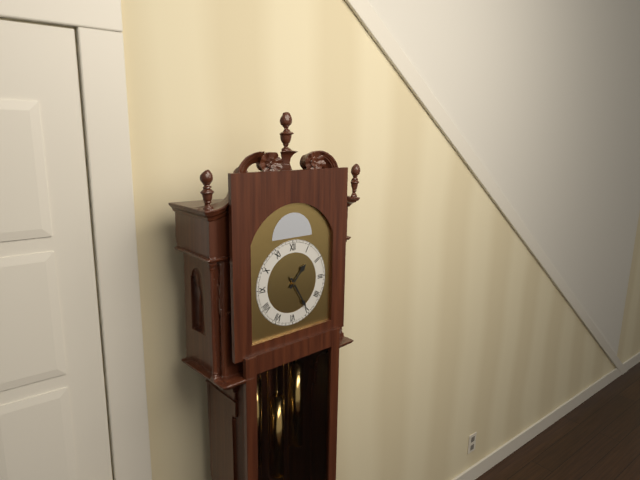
1:25
